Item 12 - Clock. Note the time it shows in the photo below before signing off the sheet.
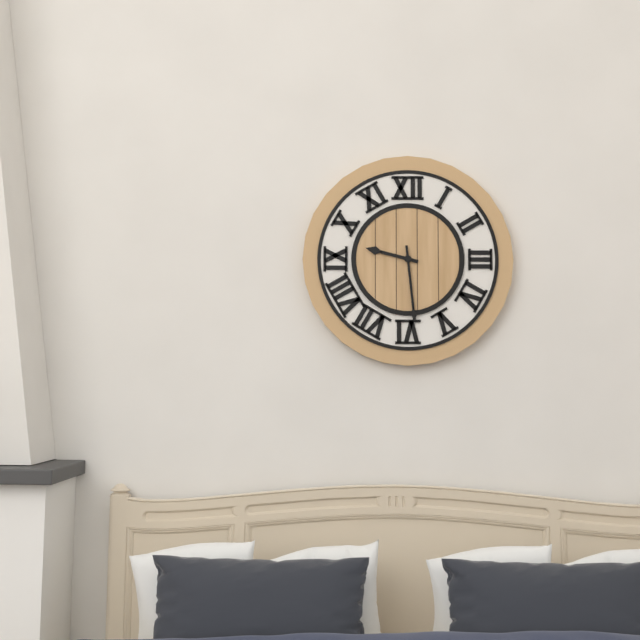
9:29
